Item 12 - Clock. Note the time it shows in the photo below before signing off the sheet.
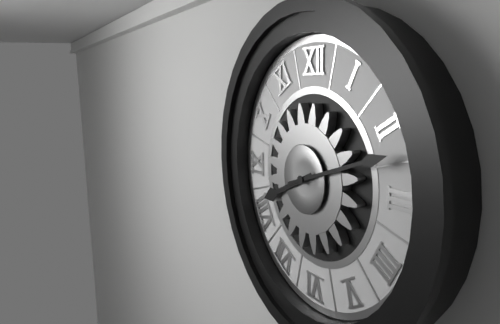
8:12
